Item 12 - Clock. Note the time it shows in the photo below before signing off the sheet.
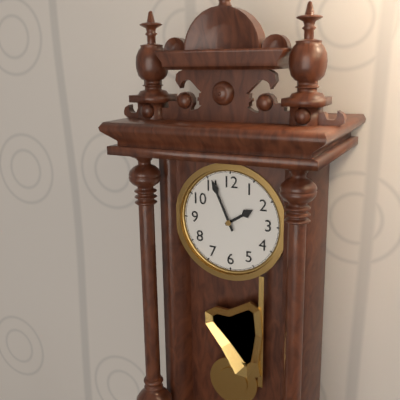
1:56
